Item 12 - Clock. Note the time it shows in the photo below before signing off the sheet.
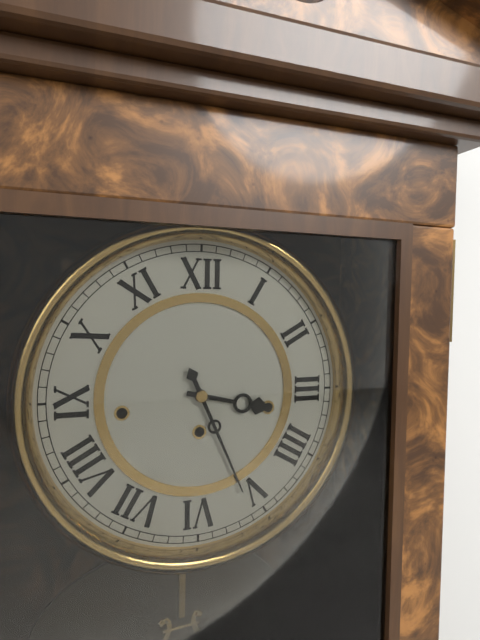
3:26
